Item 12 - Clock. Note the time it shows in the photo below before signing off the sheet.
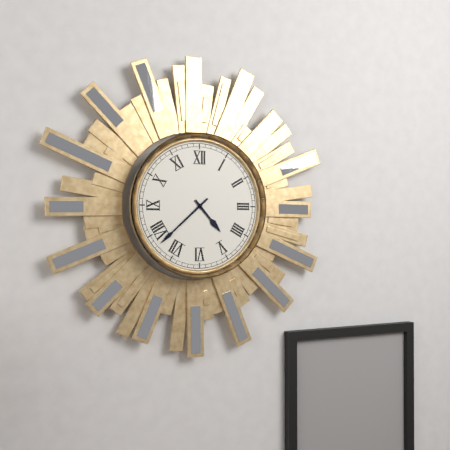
4:38
